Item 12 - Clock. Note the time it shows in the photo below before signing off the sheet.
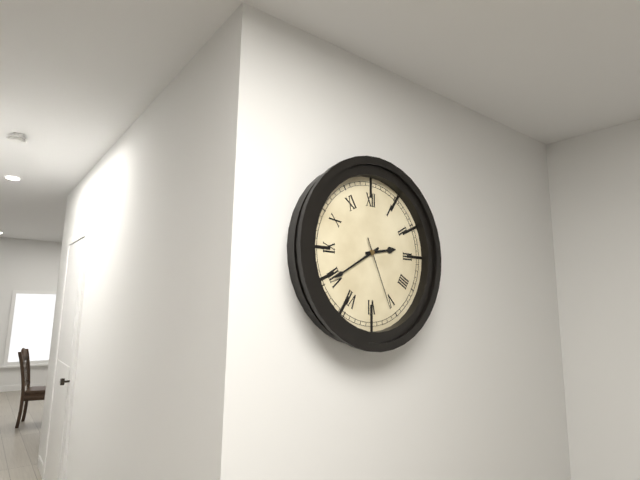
2:40:26
